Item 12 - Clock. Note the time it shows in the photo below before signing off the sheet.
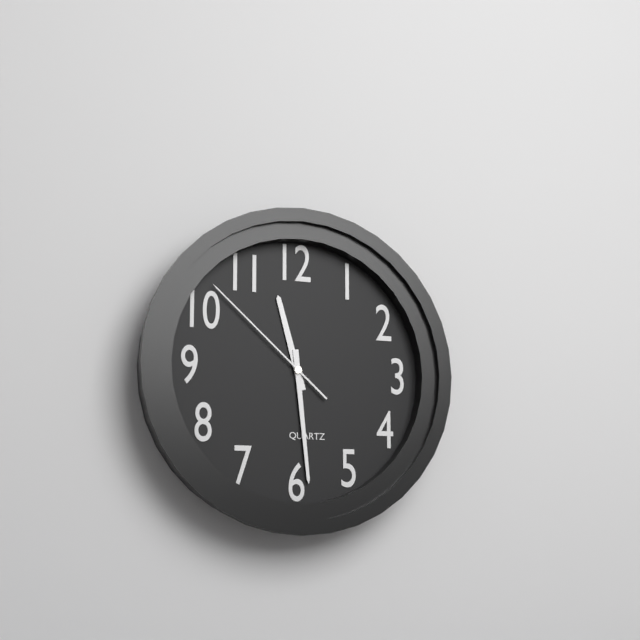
11:29:52
